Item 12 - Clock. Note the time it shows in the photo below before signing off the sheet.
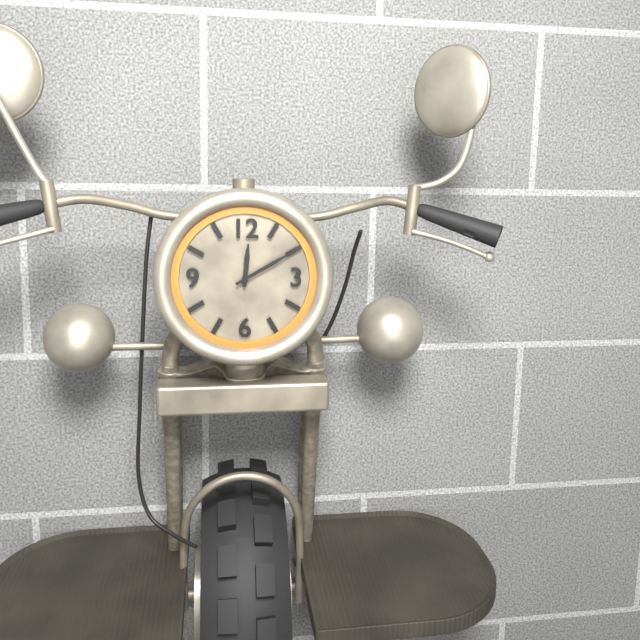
12:10
